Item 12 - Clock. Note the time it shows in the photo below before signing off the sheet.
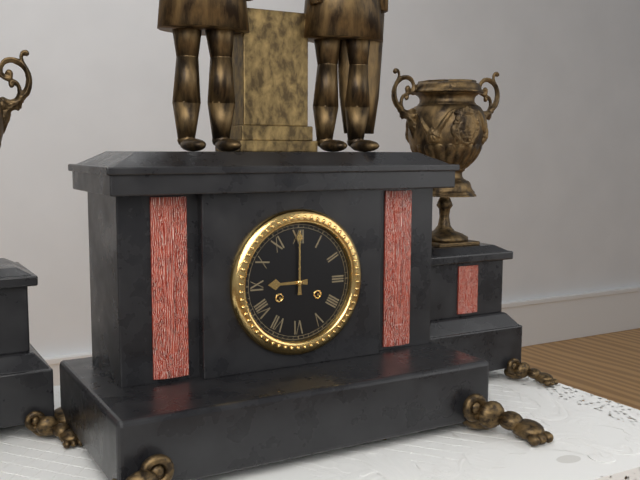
9:00
